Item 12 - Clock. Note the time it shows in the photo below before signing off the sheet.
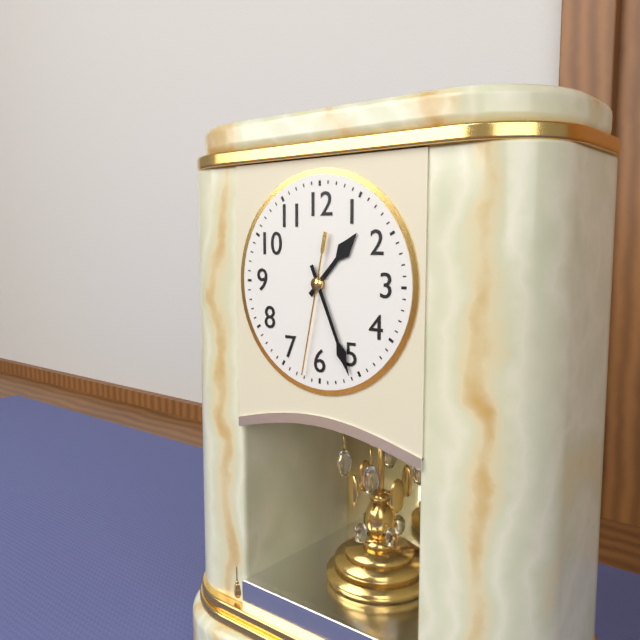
1:26:32
